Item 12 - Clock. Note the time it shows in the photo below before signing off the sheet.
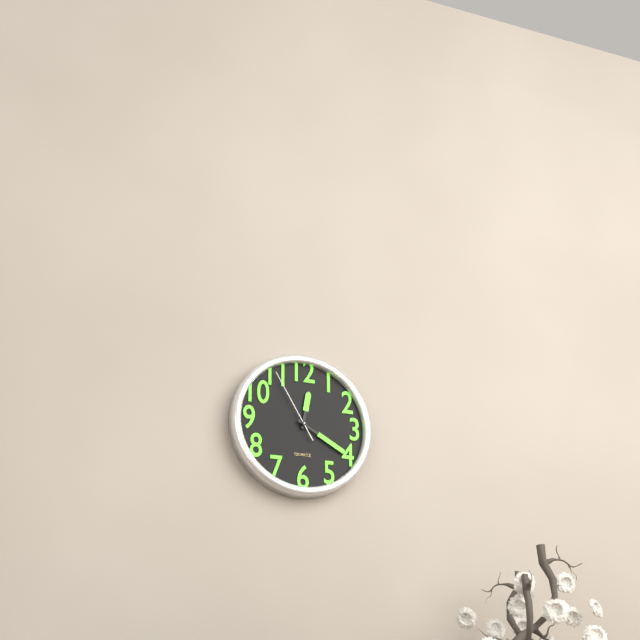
12:20:55
